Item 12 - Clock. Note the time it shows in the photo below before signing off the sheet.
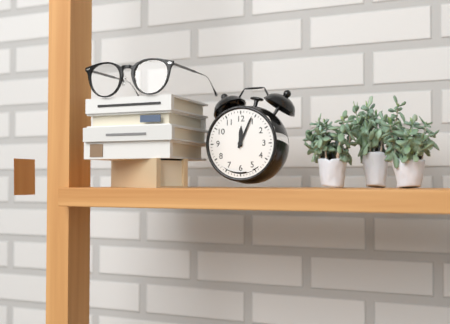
12:04
